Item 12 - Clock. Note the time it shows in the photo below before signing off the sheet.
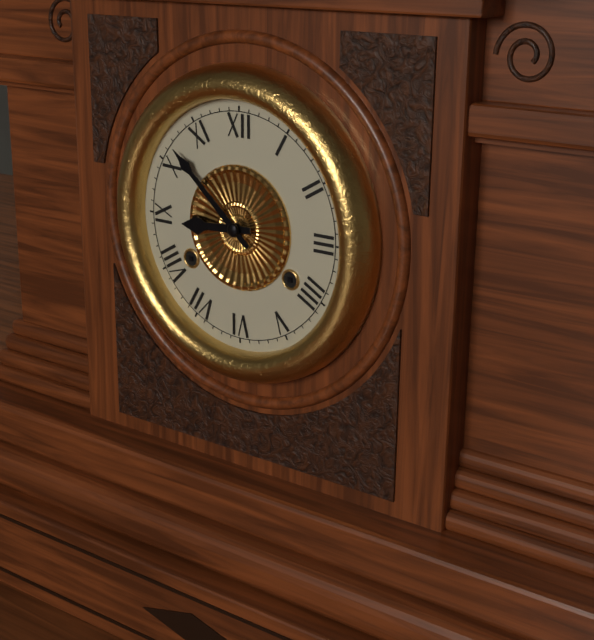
8:52
